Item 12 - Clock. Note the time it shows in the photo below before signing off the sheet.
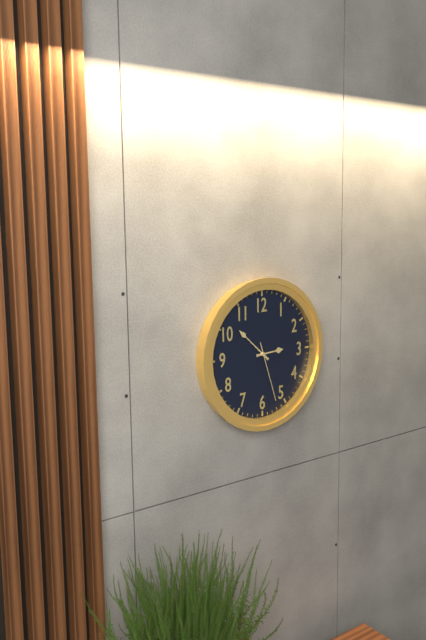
2:52:27
